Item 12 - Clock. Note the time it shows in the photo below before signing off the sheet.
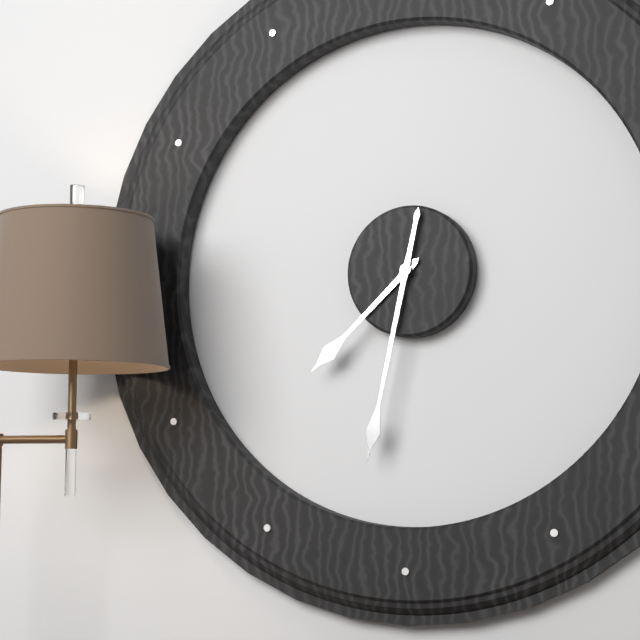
7:32
